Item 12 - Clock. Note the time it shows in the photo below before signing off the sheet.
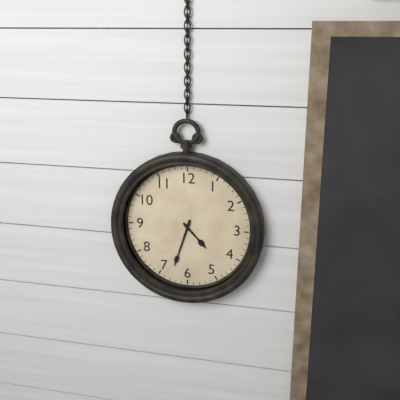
4:33
